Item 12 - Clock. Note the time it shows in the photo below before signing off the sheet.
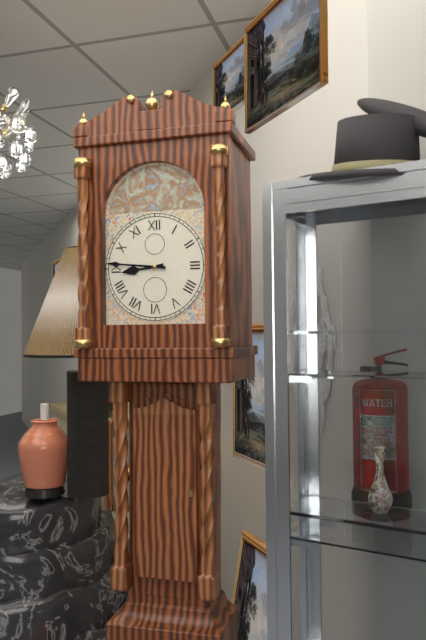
8:46
